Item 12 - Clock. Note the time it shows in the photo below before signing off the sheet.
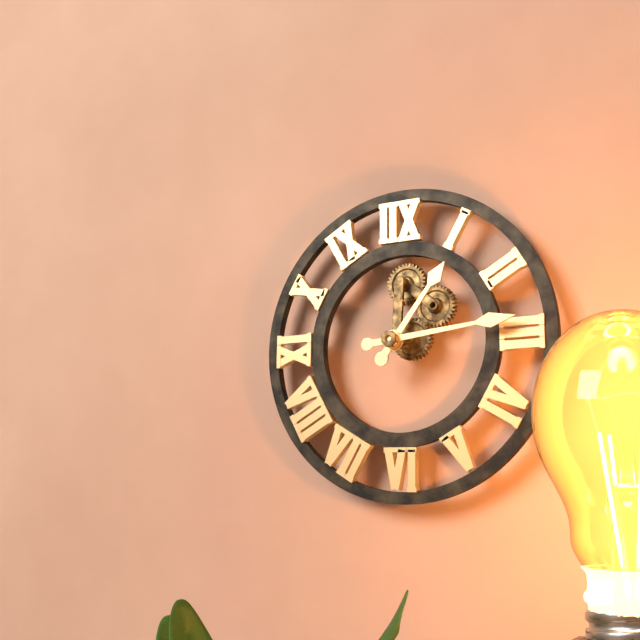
1:14
